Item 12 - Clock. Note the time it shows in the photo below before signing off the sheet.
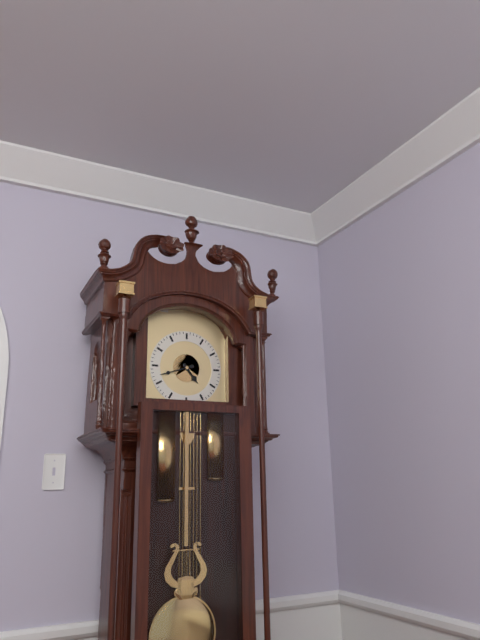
4:42
